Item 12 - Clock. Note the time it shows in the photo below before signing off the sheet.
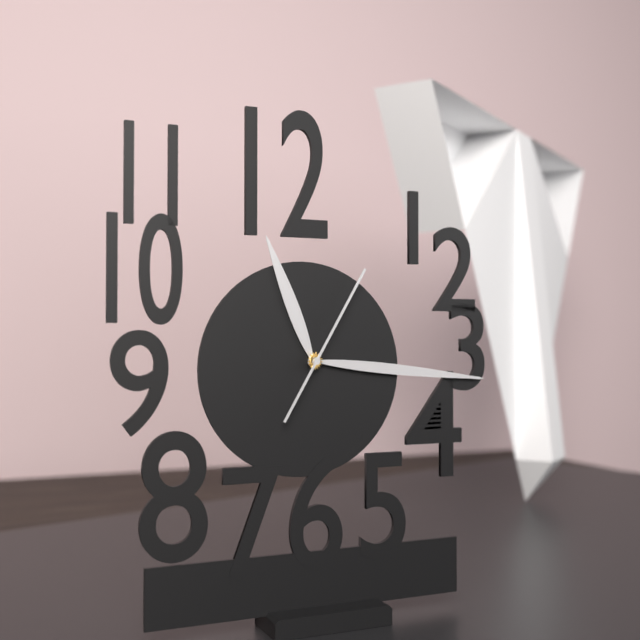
11:16:05
